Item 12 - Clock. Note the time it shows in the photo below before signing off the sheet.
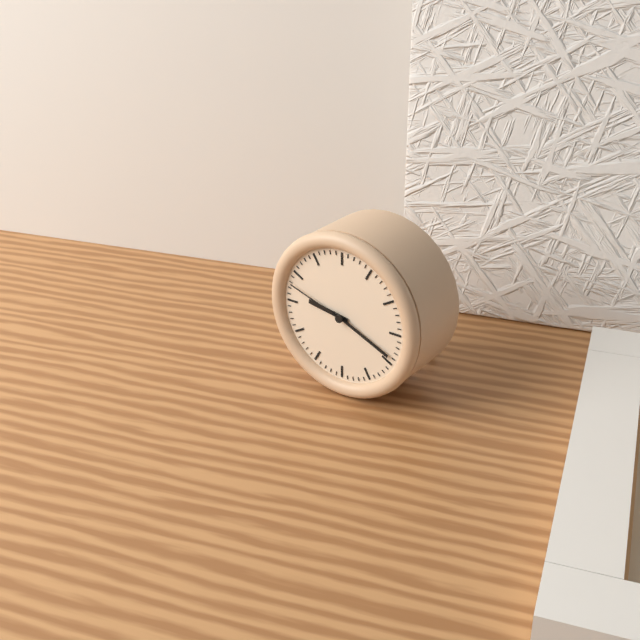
9:19:48
